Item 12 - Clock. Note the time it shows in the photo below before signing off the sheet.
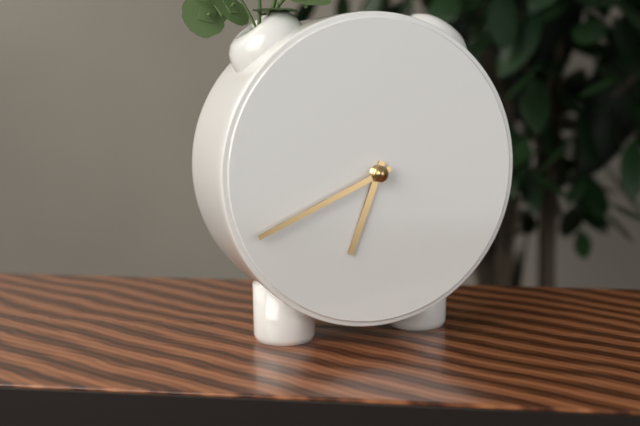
6:41
